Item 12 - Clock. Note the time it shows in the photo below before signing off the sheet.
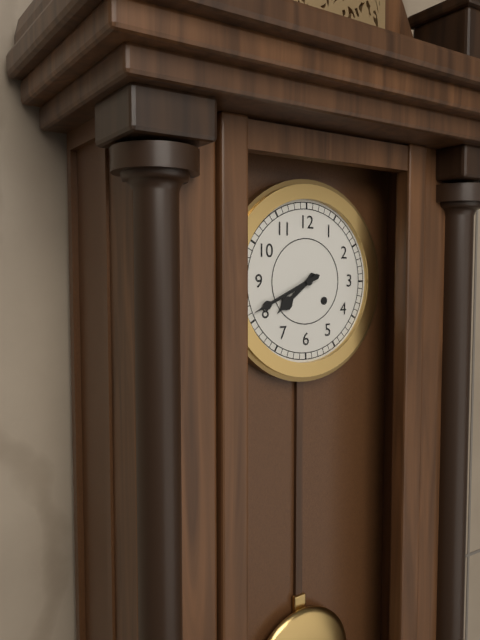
7:41
